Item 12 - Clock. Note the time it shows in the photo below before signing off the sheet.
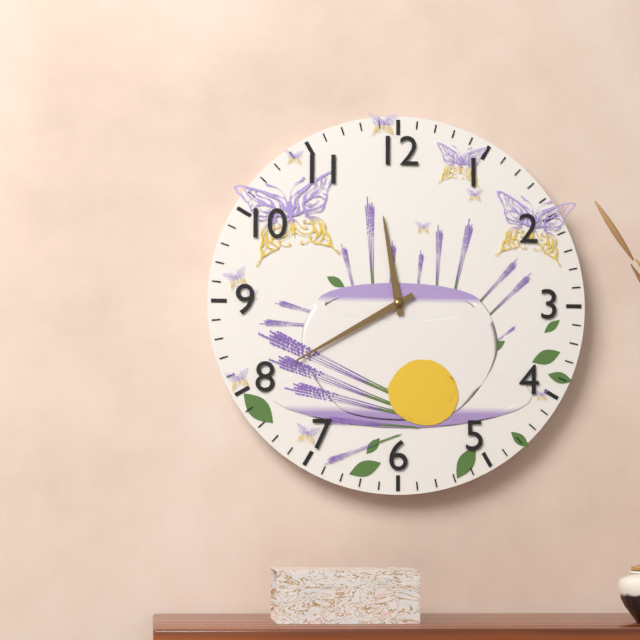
11:40
